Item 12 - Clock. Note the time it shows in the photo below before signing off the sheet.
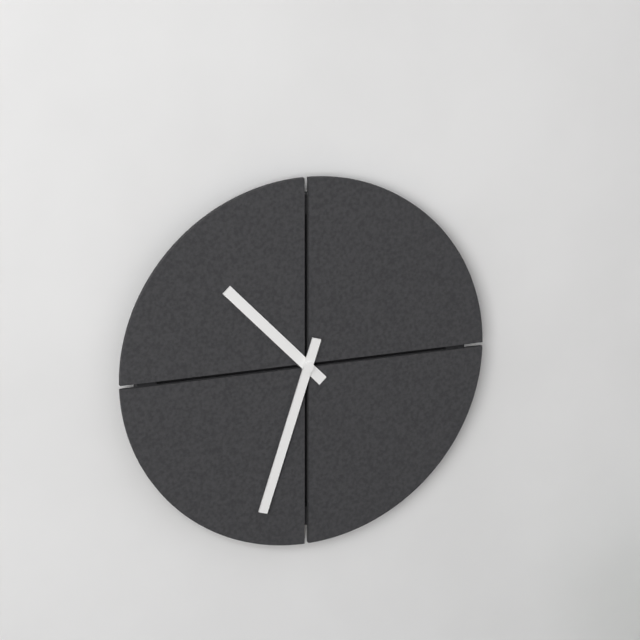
10:33
